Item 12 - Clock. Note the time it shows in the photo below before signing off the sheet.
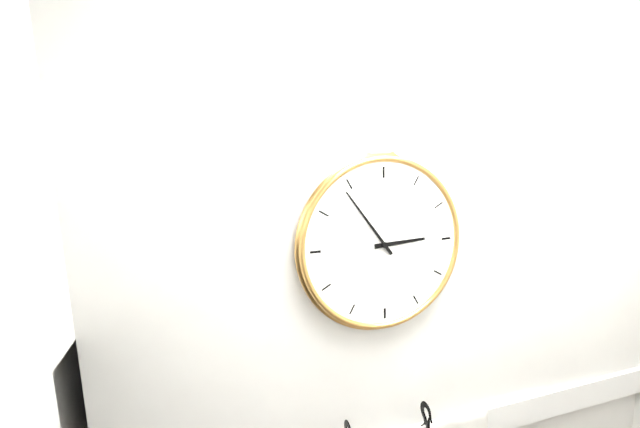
2:54
